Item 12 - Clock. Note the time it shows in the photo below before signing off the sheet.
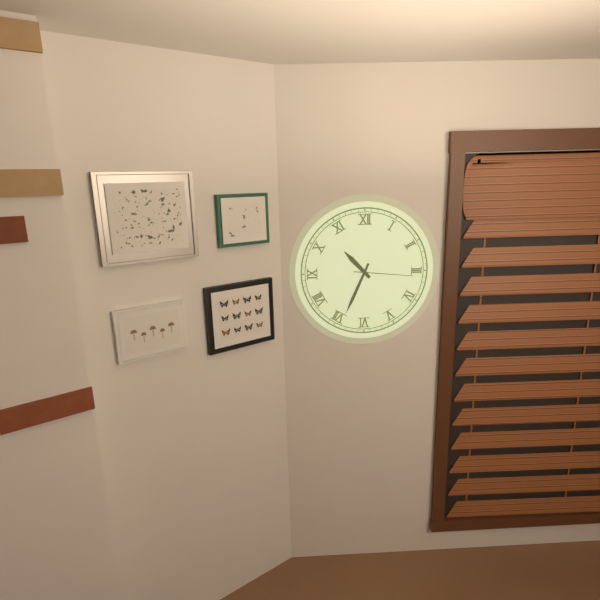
10:34:16
